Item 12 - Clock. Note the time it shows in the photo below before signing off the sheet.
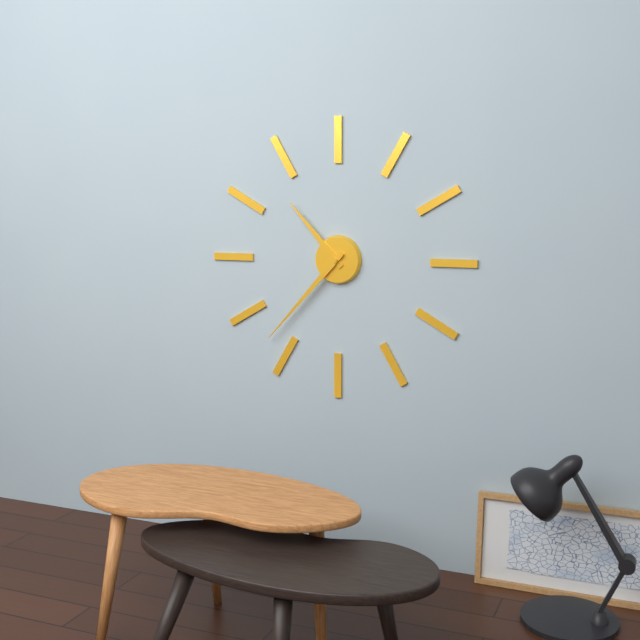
10:37
